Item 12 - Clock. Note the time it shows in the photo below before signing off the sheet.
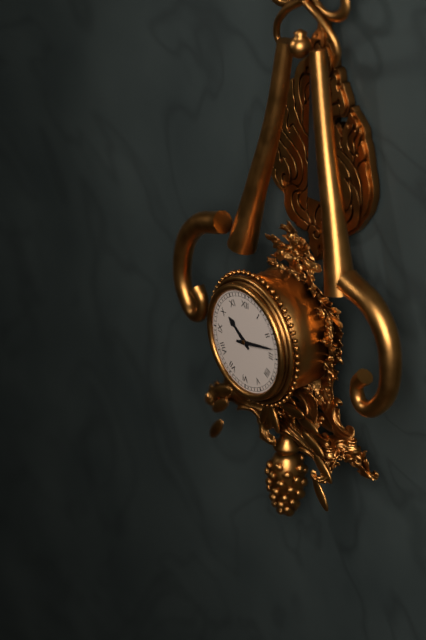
10:13
